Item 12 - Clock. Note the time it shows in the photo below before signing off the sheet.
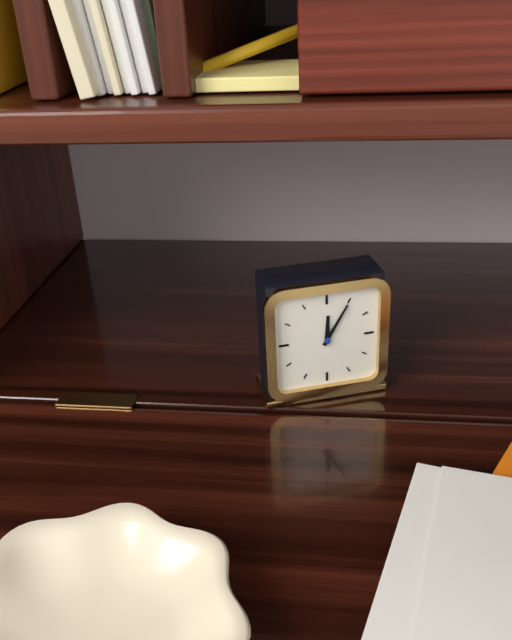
12:05
